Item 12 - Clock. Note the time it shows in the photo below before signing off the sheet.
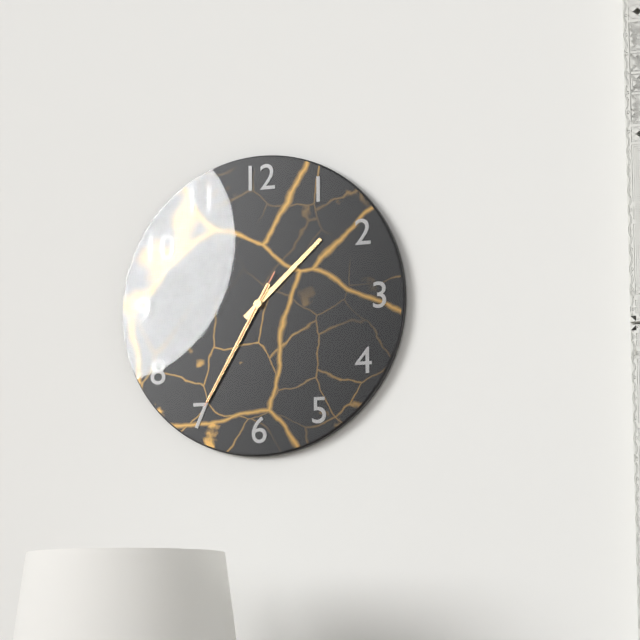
1:35:35
